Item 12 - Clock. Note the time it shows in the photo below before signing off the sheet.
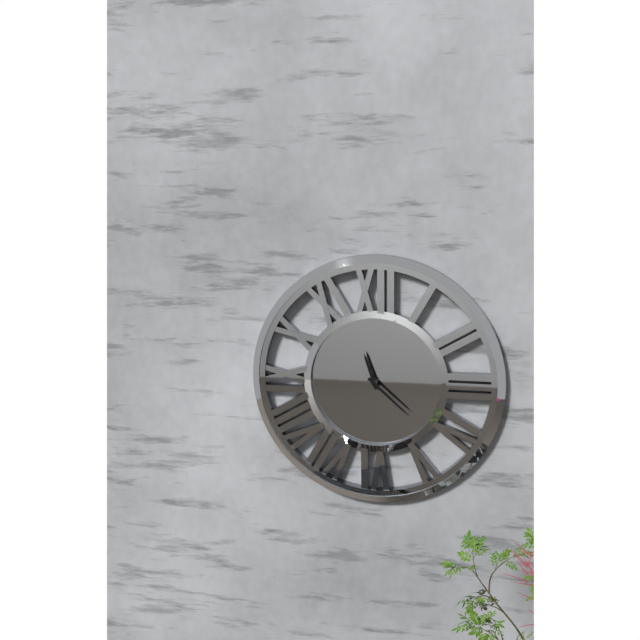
11:22
